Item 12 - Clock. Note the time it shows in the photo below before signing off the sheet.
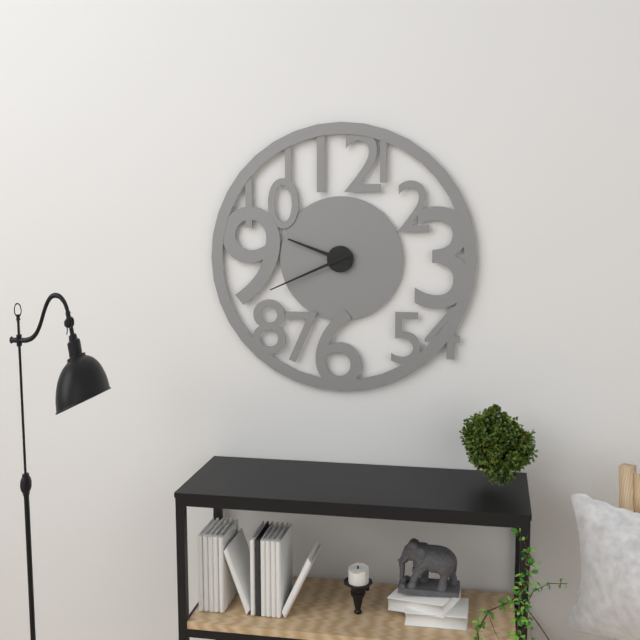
9:41
